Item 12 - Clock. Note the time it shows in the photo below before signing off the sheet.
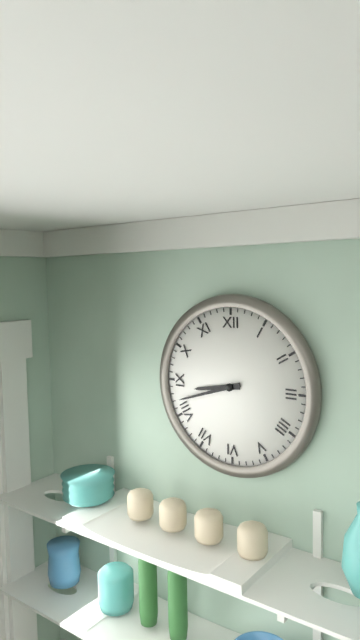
8:42
